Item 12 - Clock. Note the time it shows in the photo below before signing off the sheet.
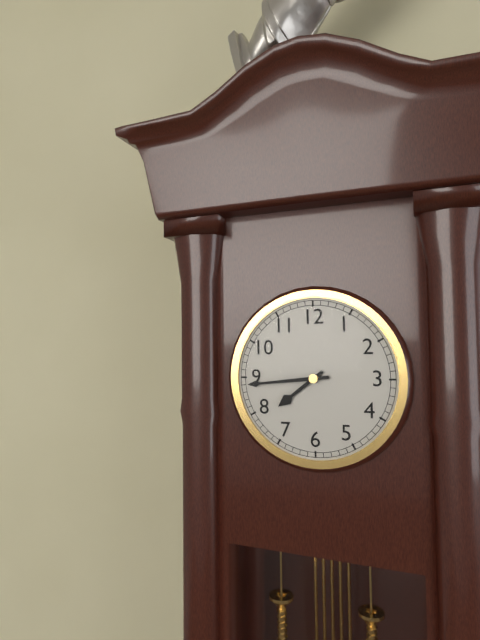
7:44
